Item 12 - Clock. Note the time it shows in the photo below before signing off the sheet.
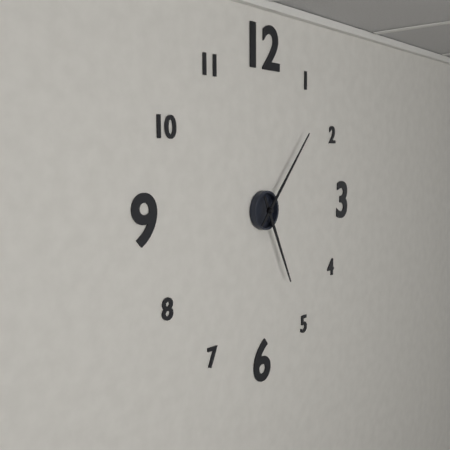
5:07
